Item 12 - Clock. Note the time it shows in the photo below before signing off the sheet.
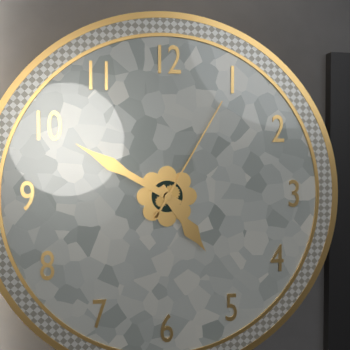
4:50:05
